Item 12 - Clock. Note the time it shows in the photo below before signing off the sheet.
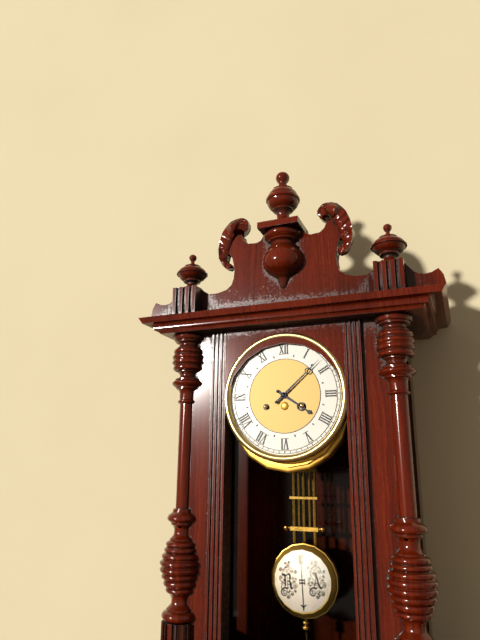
4:08
